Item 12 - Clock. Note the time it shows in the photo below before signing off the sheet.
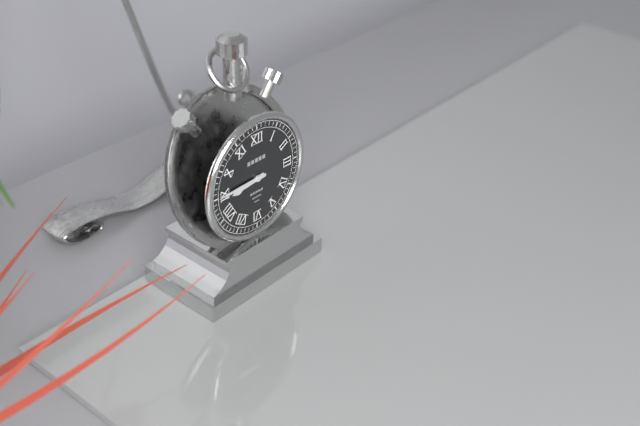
8:45
